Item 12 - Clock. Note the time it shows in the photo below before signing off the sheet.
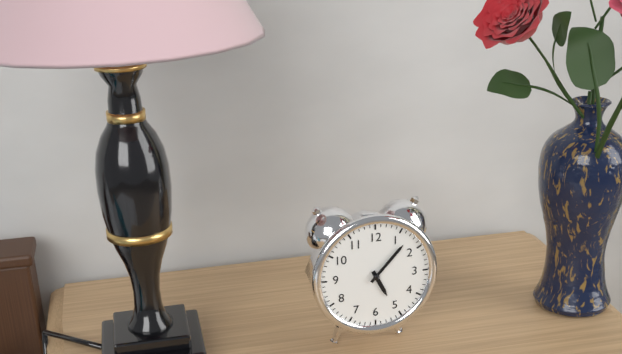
5:07
